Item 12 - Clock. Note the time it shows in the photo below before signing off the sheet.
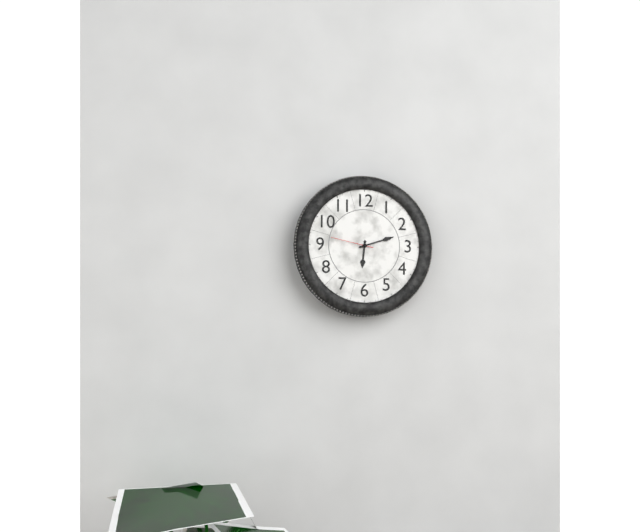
6:12
